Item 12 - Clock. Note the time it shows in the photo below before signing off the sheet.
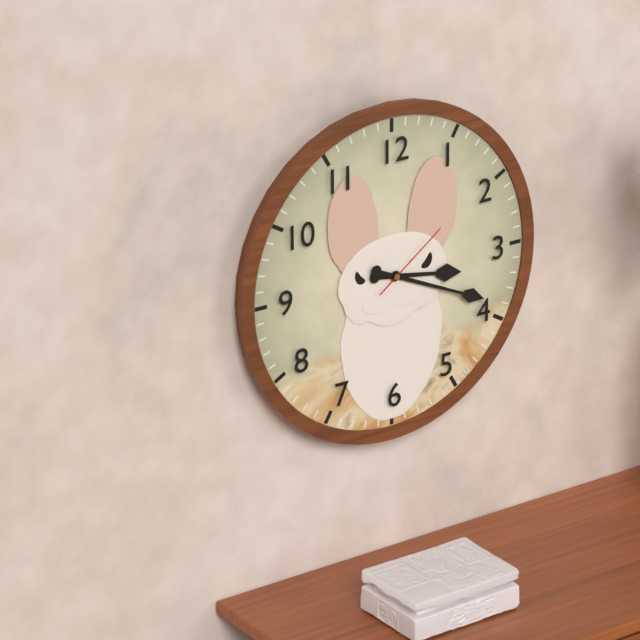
3:19:09
